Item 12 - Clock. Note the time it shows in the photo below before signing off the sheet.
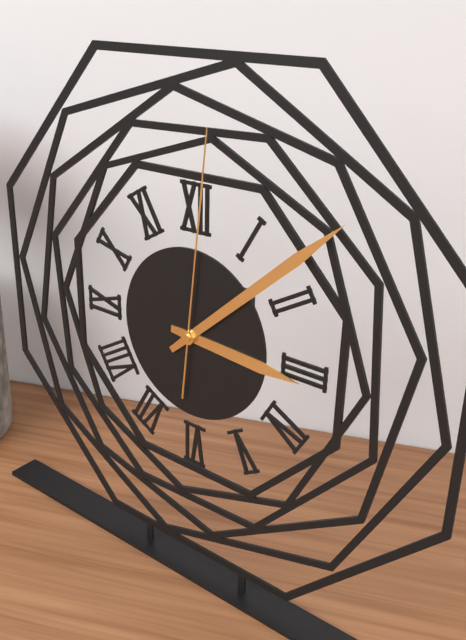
3:08:01
